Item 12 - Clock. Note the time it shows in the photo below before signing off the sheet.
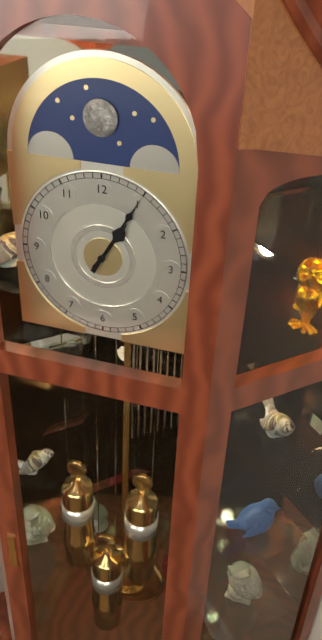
1:05
